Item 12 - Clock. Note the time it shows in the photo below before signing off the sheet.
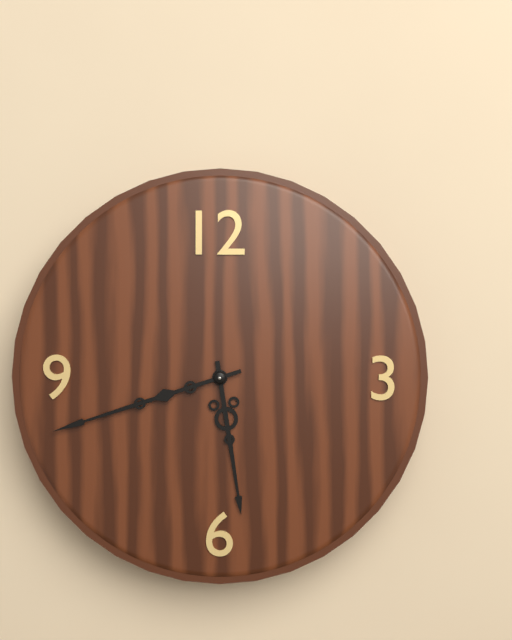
5:42
